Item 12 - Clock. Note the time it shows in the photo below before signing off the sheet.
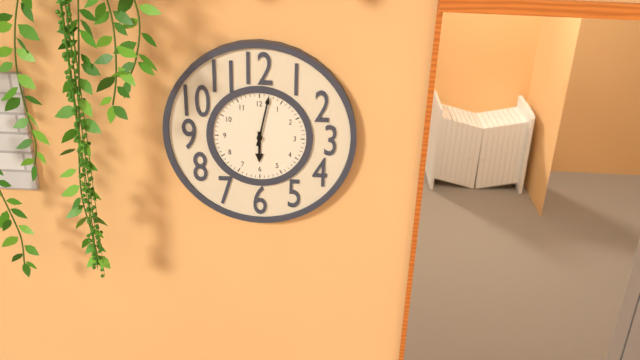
6:02
